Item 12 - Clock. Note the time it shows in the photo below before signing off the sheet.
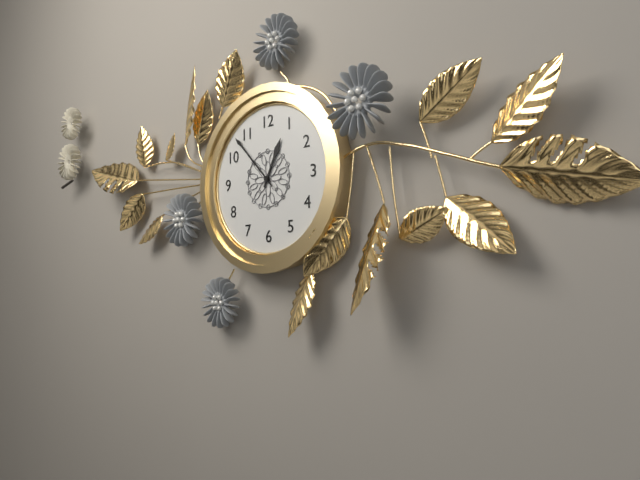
12:53
